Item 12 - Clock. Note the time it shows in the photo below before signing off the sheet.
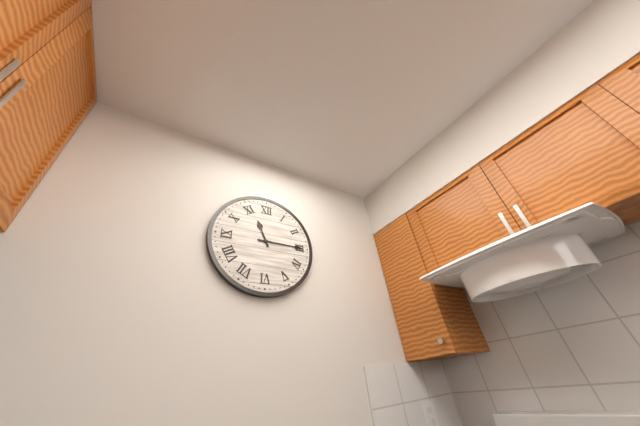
11:15
